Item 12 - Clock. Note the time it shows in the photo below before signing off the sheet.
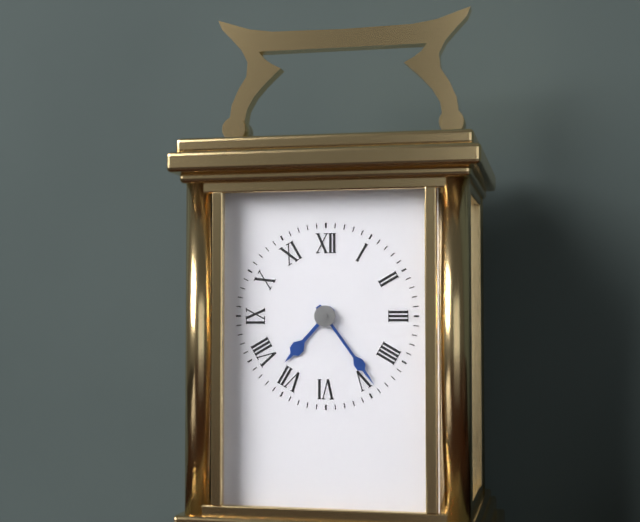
7:24
